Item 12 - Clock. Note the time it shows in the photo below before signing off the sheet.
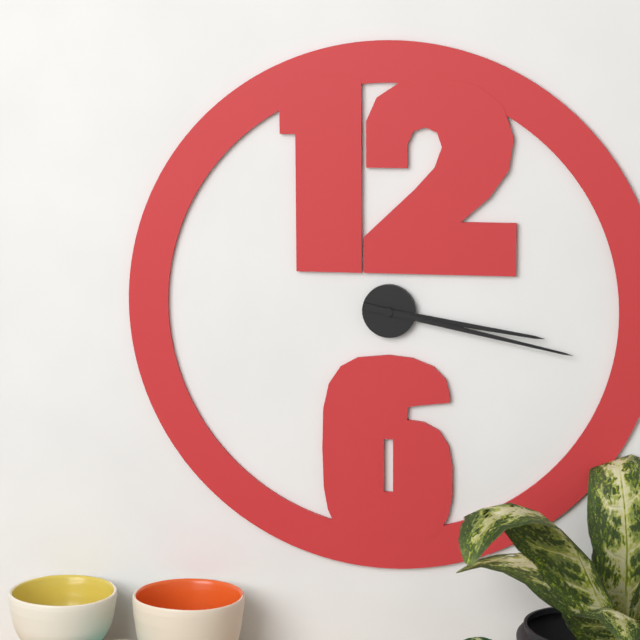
3:17
